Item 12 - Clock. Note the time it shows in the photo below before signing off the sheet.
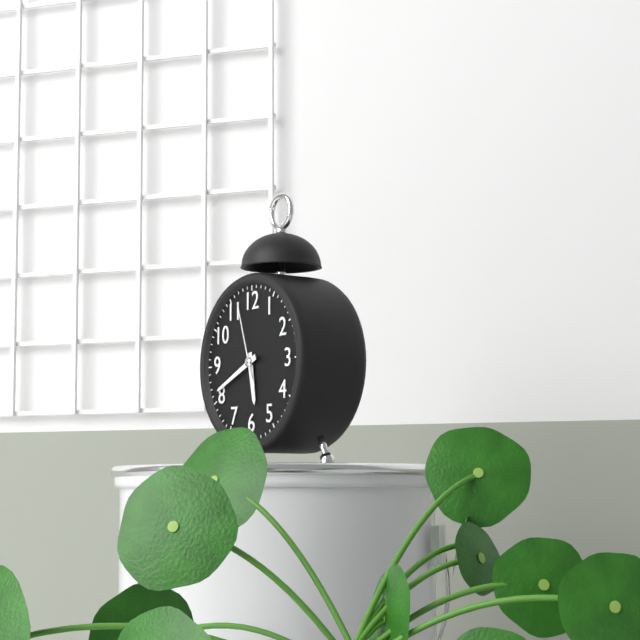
5:41:57
